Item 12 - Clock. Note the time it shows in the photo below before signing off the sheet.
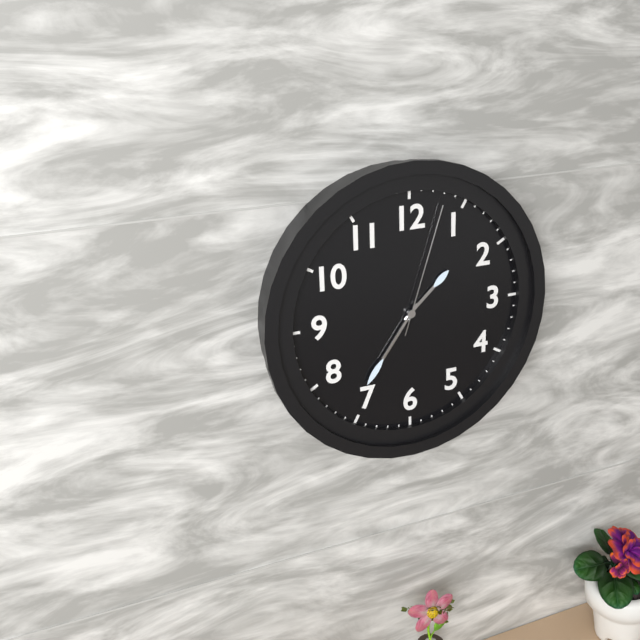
1:36:03
